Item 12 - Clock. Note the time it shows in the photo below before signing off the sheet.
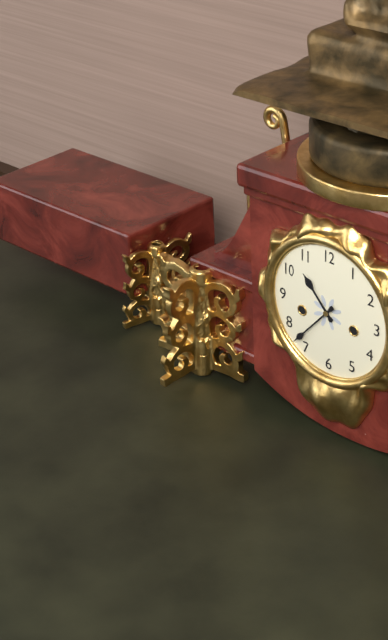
10:37
